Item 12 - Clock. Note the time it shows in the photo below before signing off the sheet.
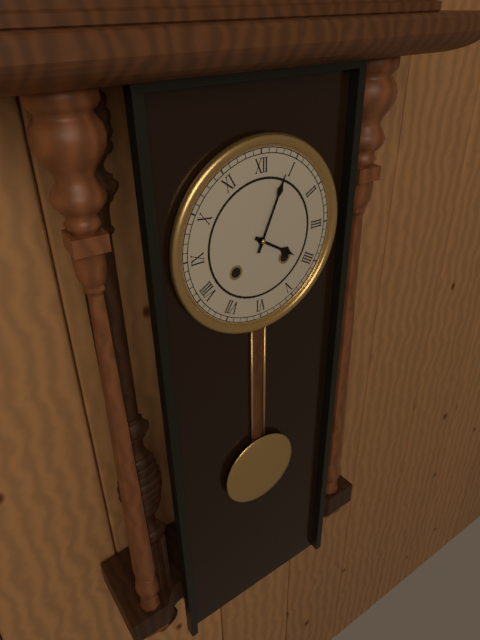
4:04
